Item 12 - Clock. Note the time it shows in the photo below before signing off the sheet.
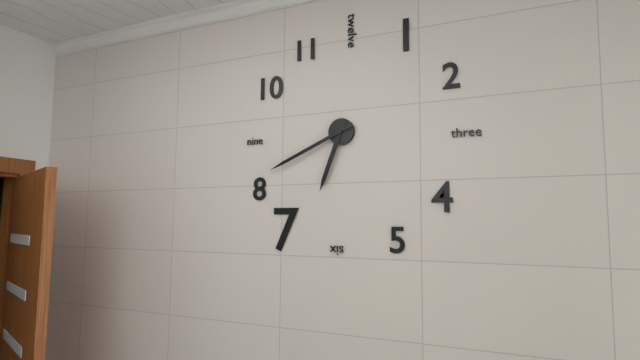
6:41
